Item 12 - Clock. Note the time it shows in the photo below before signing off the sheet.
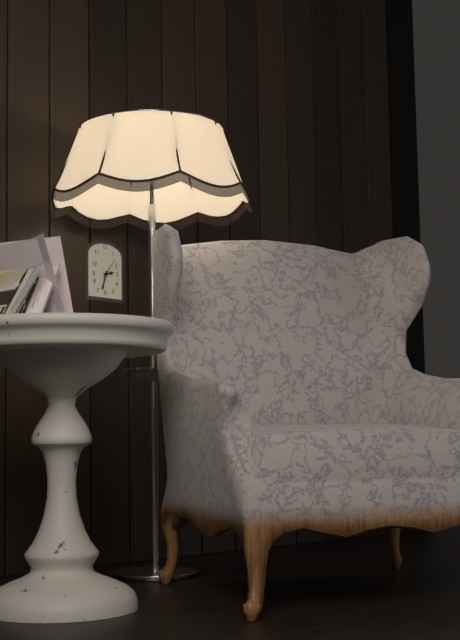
2:33
